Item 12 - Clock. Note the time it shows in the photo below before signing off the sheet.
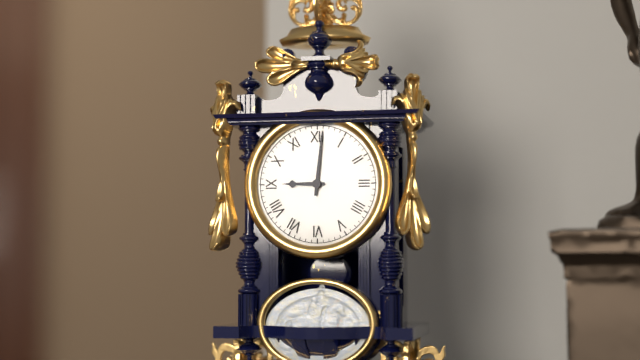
9:01
